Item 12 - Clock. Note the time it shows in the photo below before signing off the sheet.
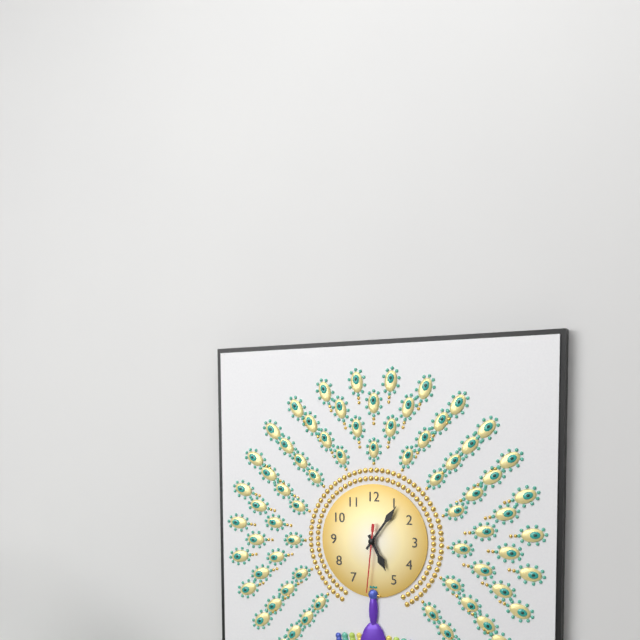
5:06:31
